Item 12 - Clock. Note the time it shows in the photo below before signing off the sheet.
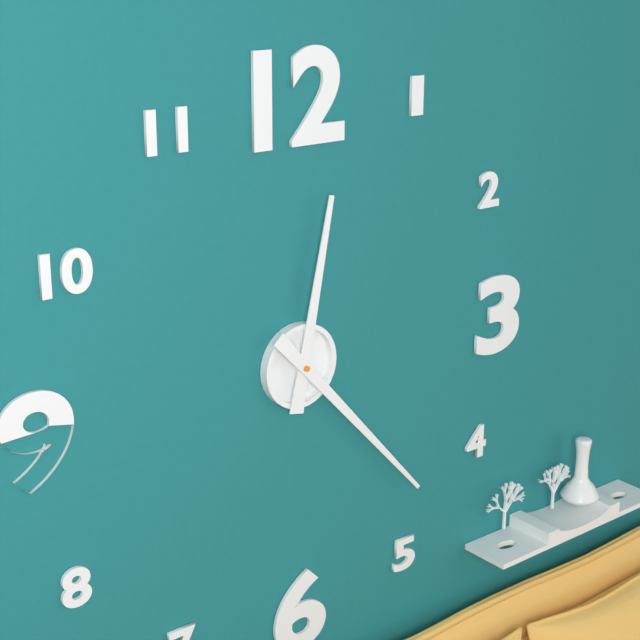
12:23
